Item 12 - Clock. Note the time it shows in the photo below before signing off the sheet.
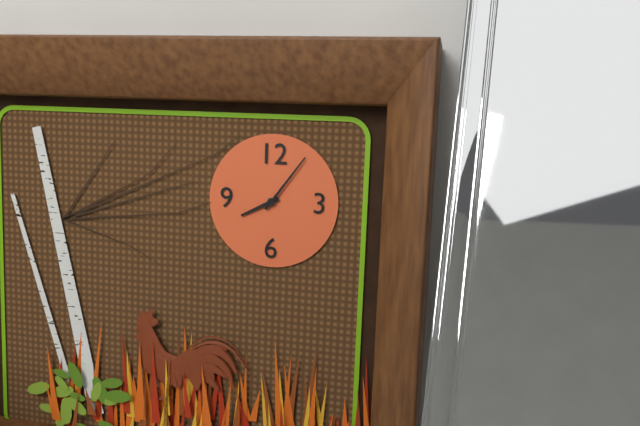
8:06
